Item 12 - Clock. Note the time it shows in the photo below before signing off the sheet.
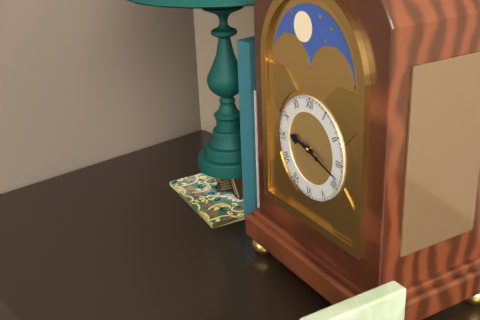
9:18
